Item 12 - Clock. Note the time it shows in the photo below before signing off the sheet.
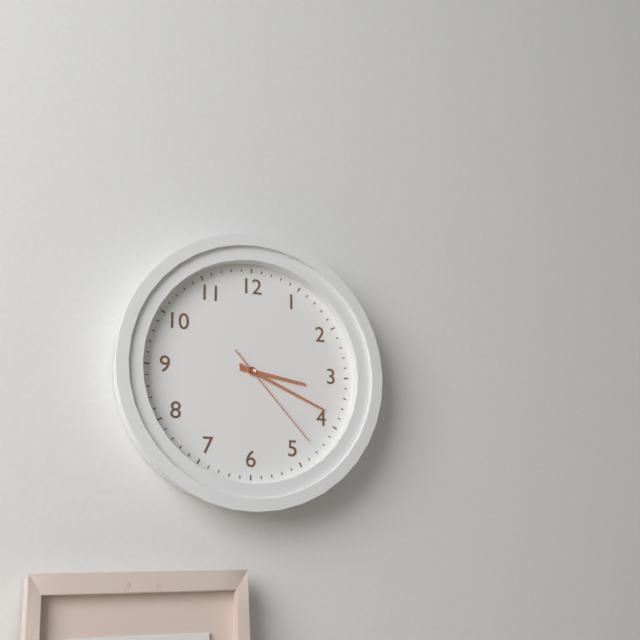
3:19:23
